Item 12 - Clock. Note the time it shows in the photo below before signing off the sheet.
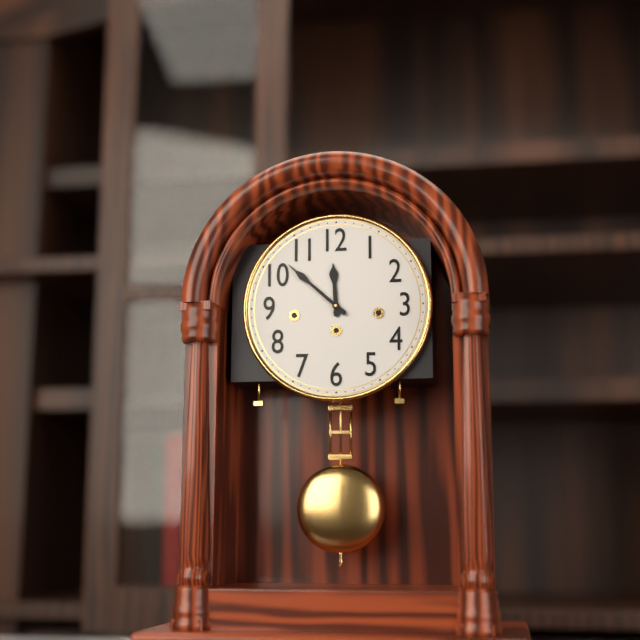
11:52
